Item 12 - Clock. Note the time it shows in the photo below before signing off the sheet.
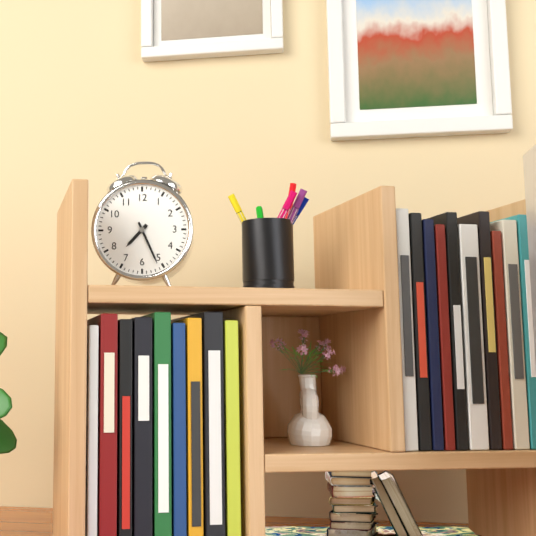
7:26
